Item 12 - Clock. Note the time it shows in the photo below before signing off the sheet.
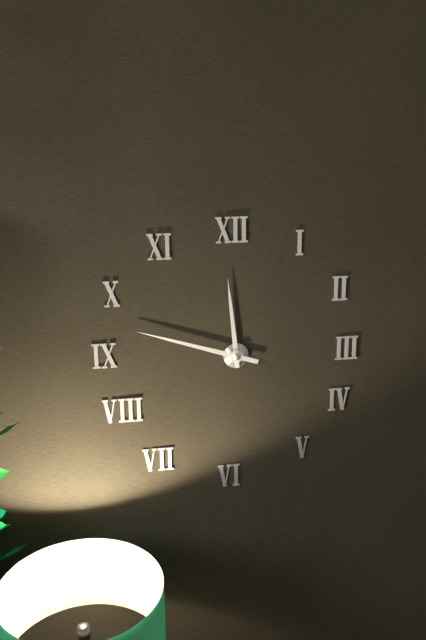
11:48
